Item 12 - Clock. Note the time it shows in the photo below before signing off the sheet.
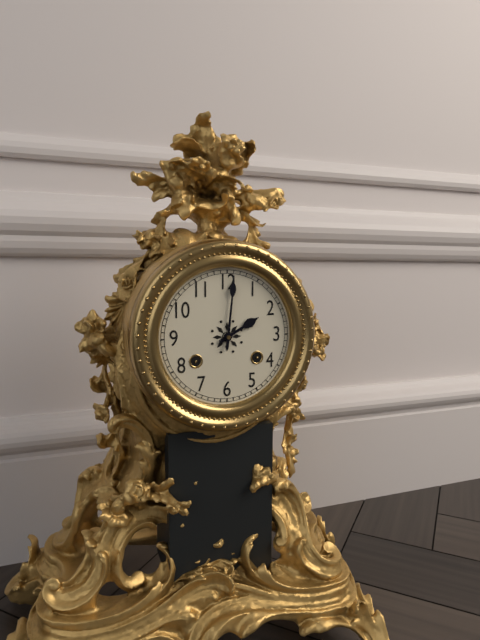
2:01
